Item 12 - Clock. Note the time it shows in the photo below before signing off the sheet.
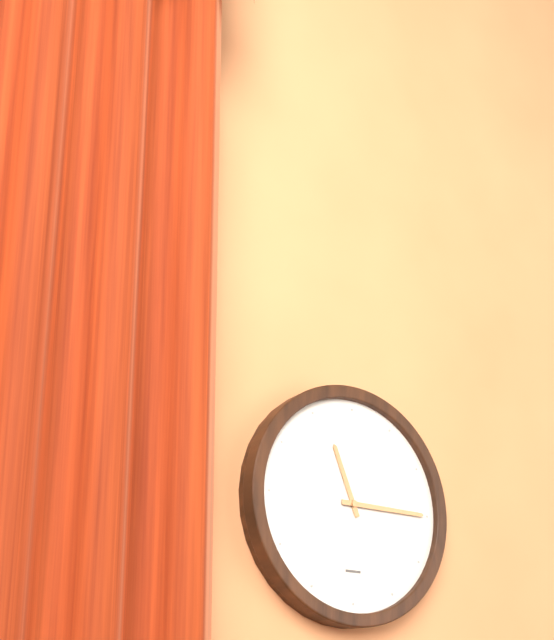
11:15
